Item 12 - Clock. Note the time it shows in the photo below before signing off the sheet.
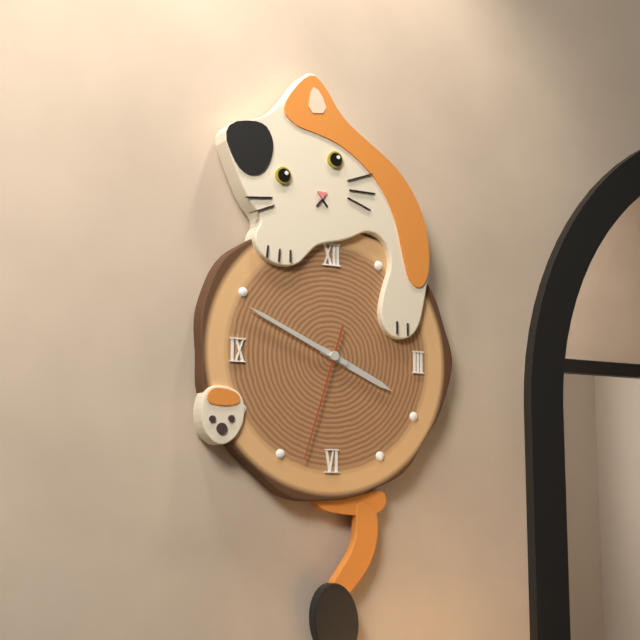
3:49:33
